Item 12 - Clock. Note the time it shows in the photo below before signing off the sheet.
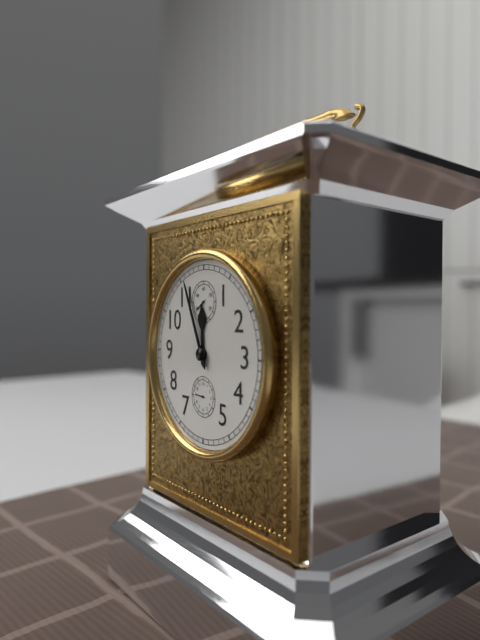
11:56
